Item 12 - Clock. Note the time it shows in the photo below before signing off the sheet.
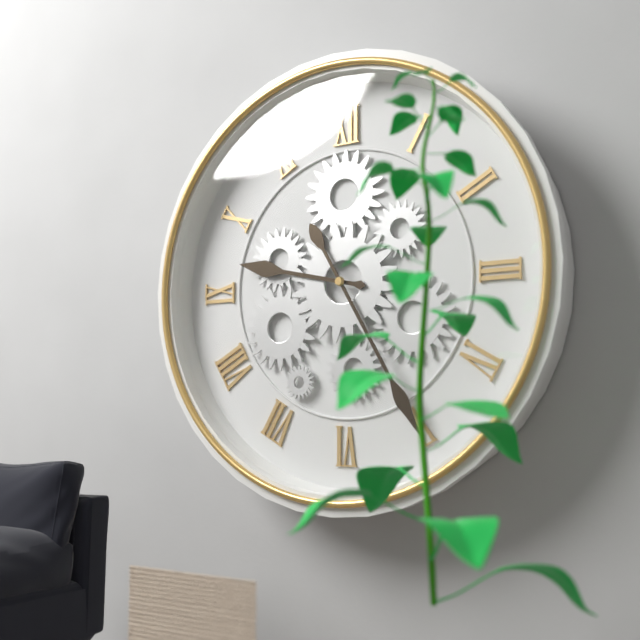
9:25
